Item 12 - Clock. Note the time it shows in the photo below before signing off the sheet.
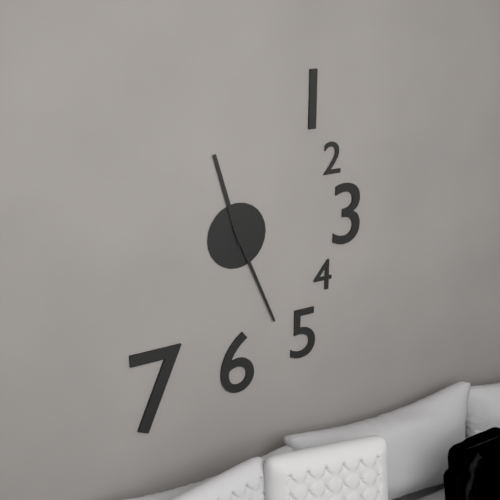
11:26
